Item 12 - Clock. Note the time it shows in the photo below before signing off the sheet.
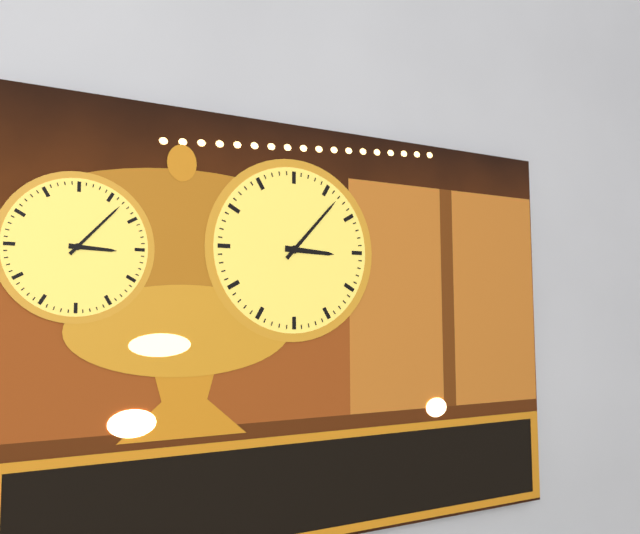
3:07
